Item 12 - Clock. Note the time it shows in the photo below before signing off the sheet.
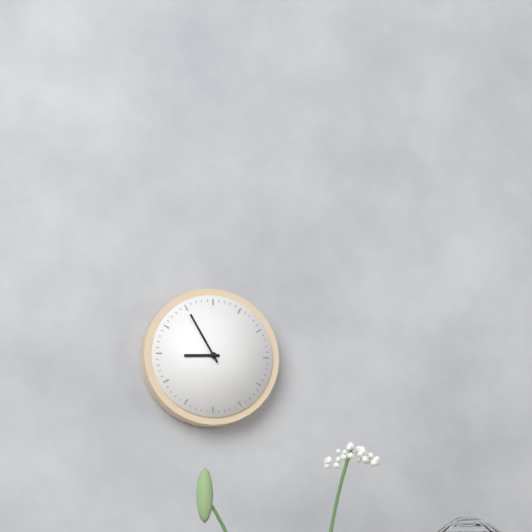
8:55
